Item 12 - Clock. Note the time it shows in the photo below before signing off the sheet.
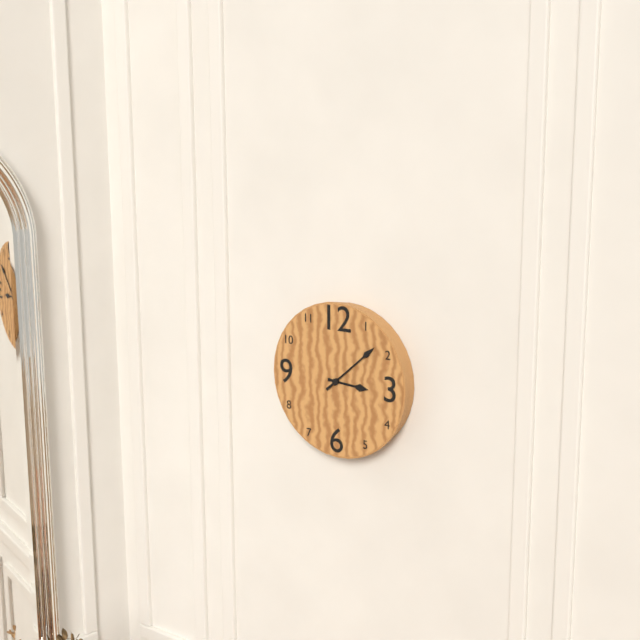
3:08
